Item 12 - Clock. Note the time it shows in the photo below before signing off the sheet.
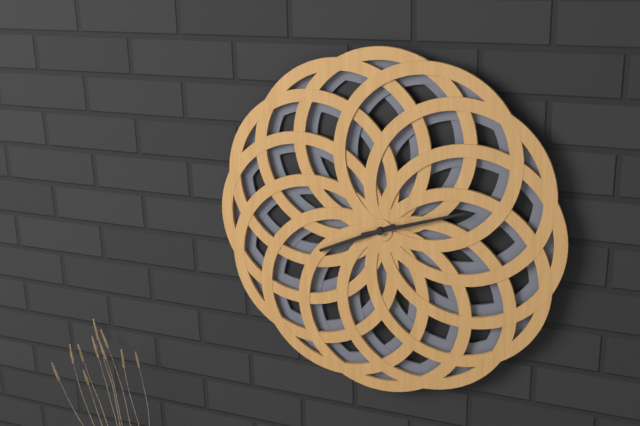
8:12
